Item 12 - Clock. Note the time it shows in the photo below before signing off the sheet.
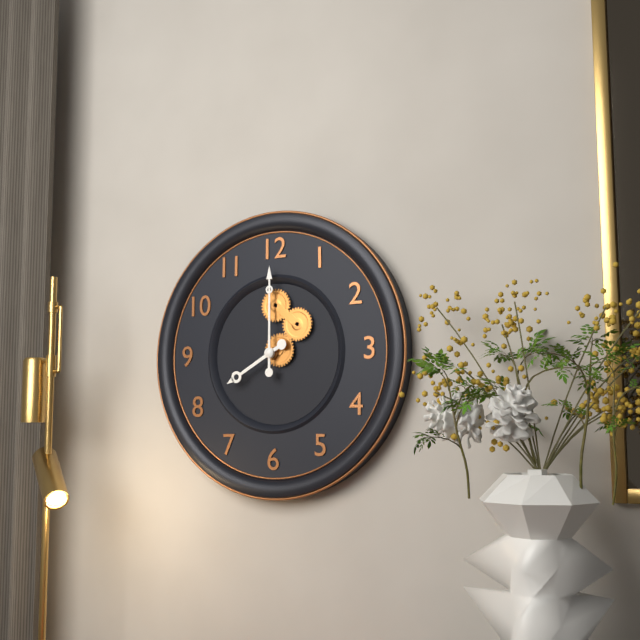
8:00
